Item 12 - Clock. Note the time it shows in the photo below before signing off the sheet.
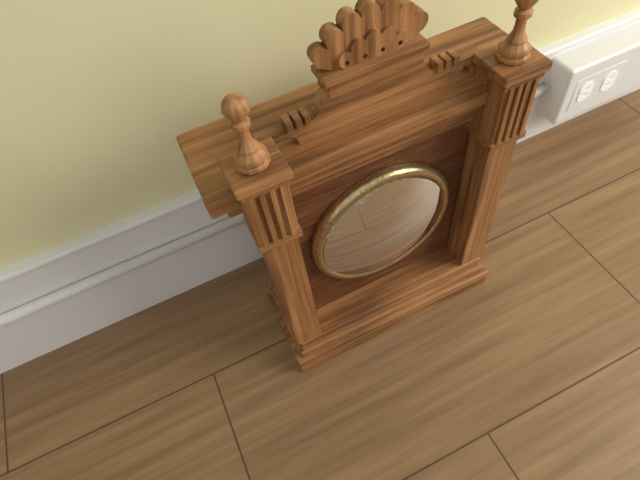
6:34
